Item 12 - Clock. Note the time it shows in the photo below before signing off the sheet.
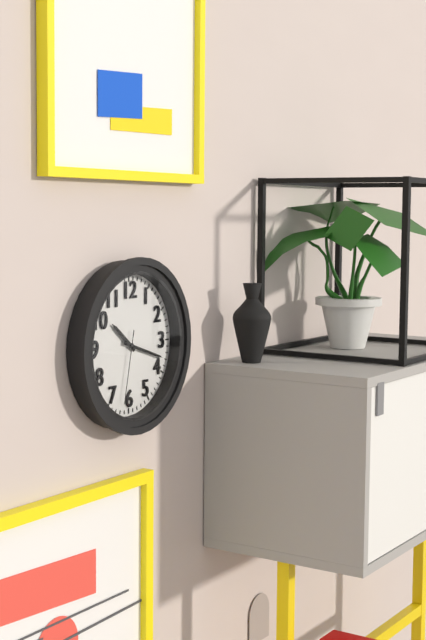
10:18:32
